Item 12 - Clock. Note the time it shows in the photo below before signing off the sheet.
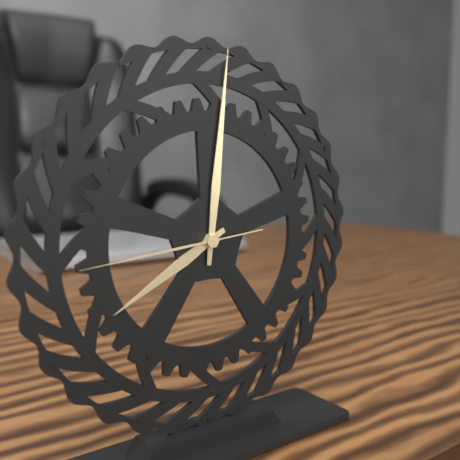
8:01:44
